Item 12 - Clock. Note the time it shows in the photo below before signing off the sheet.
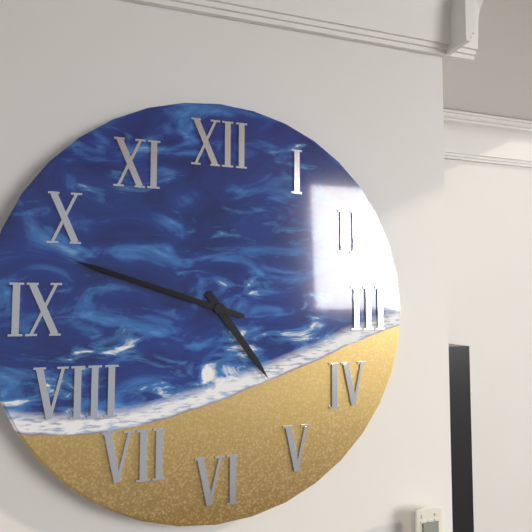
4:48
